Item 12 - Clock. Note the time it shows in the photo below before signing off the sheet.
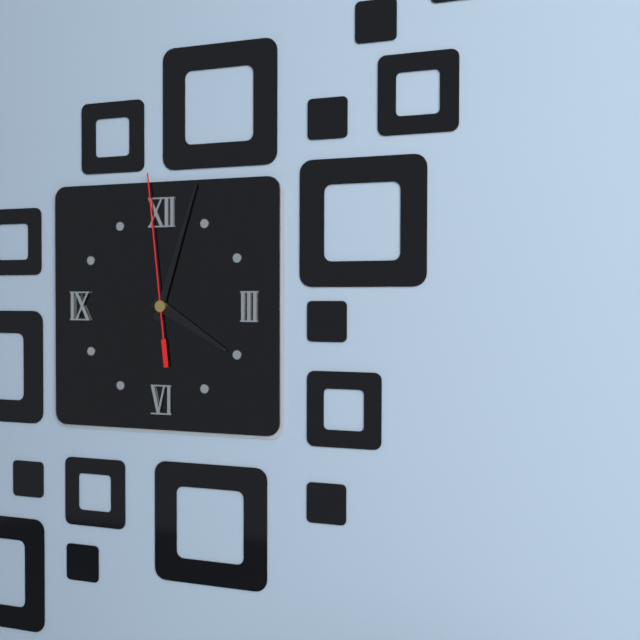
4:03:59
